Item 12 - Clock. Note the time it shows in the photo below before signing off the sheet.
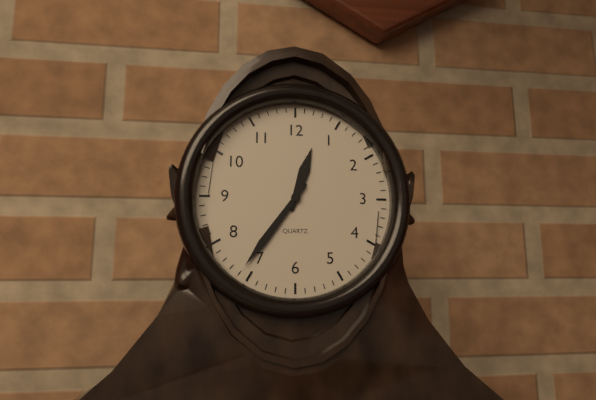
12:36
